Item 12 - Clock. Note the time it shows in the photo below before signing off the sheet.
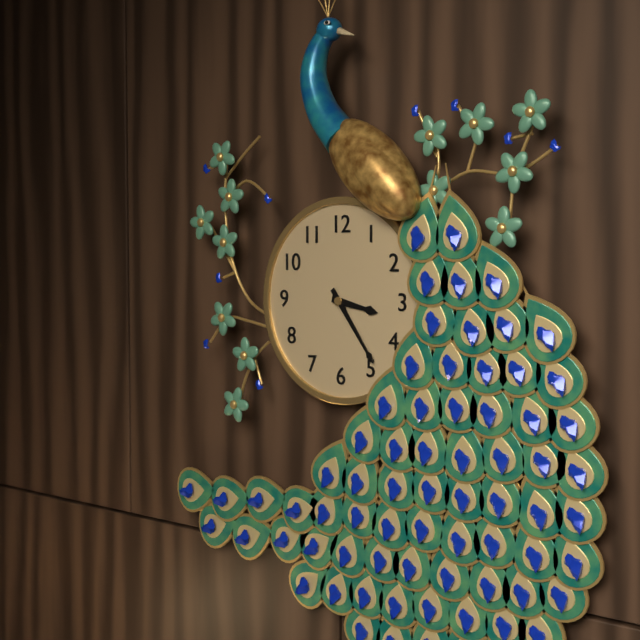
3:24
